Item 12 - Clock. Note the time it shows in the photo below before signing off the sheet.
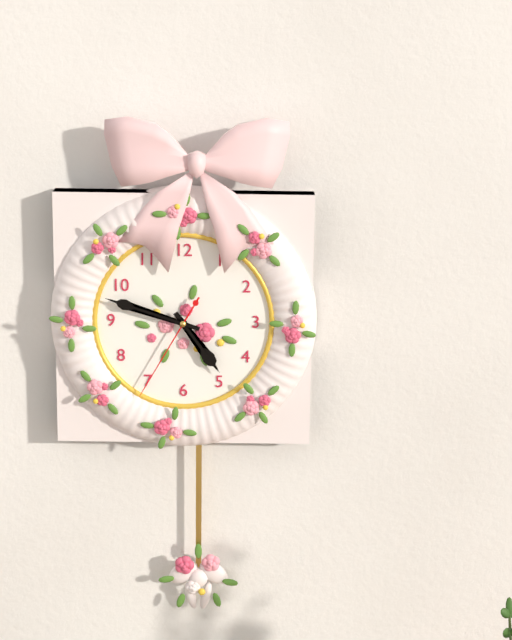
4:48:35
